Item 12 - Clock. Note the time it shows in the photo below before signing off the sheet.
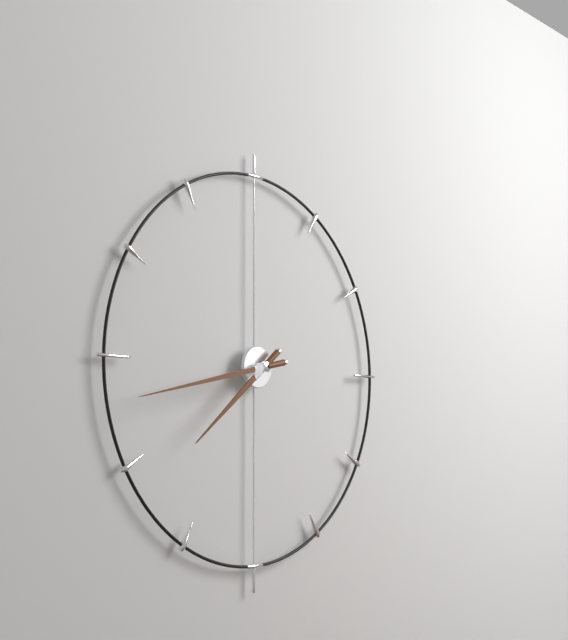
7:43
